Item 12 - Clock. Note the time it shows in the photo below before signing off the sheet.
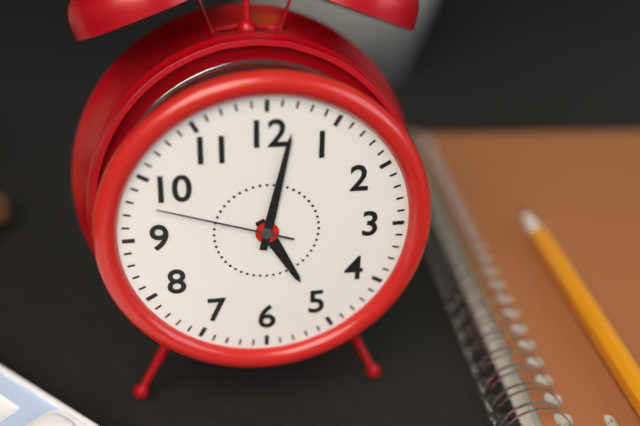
5:02:48
